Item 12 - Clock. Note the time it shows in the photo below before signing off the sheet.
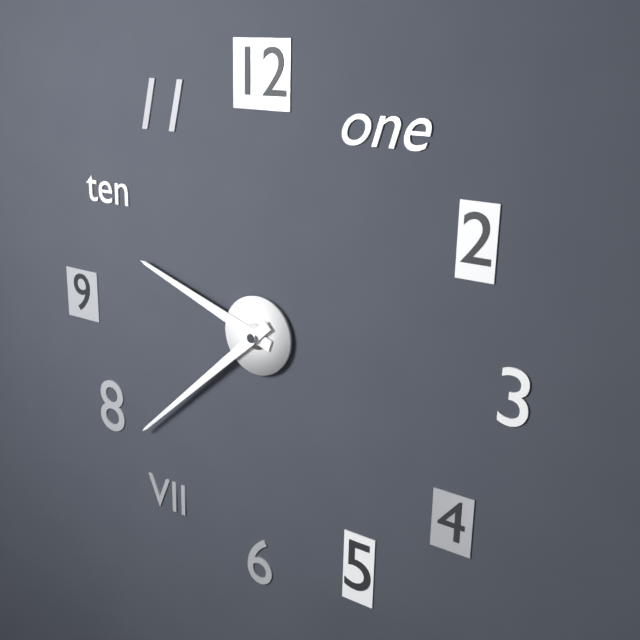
9:38
